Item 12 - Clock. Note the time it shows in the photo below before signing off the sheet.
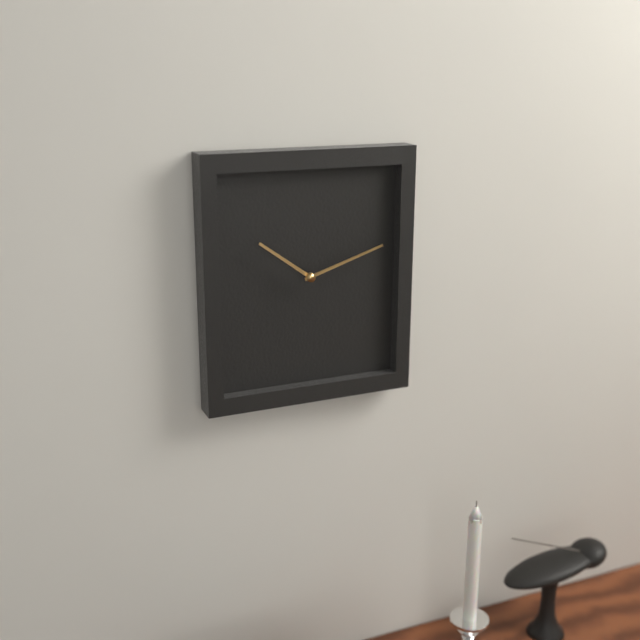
10:12
